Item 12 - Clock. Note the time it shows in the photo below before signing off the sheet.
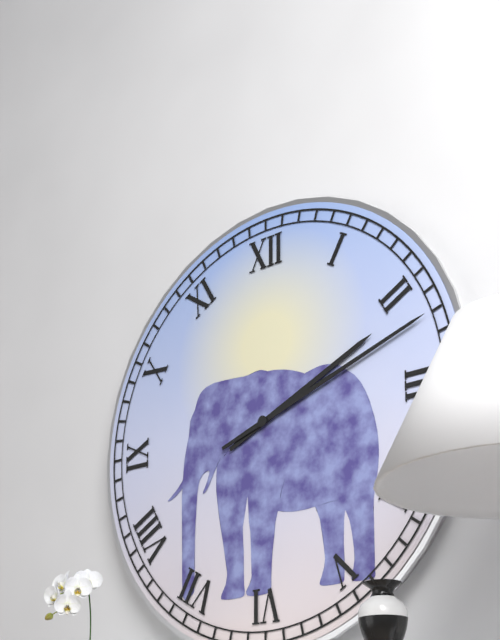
2:12
